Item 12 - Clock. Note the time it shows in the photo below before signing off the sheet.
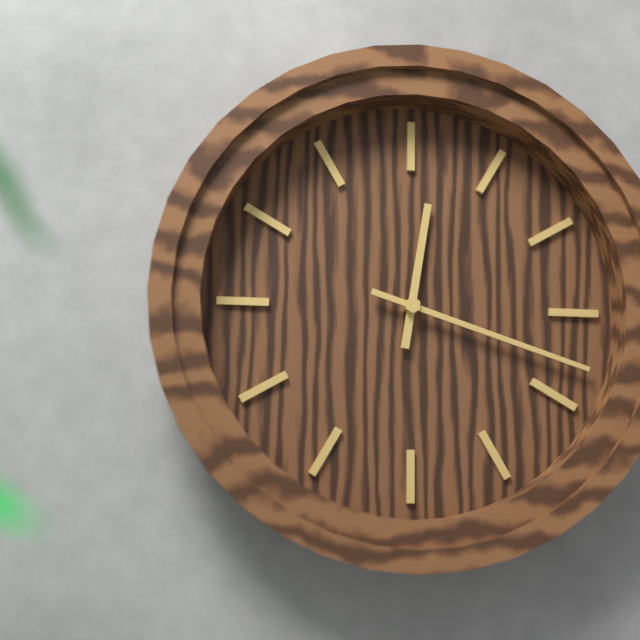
12:18
